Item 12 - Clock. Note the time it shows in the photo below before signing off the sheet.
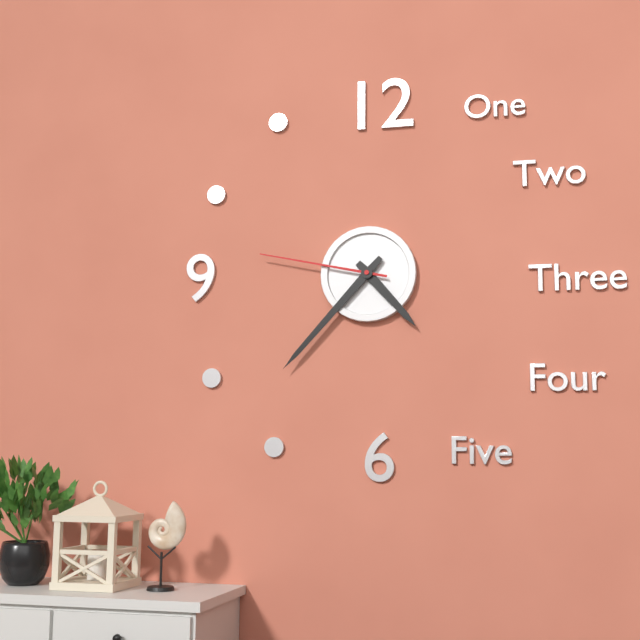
4:37:47
